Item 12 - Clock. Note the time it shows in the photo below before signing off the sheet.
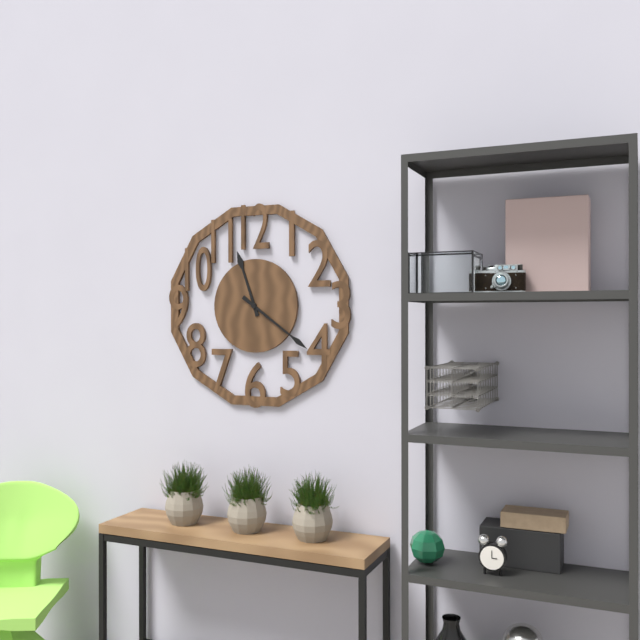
11:21
